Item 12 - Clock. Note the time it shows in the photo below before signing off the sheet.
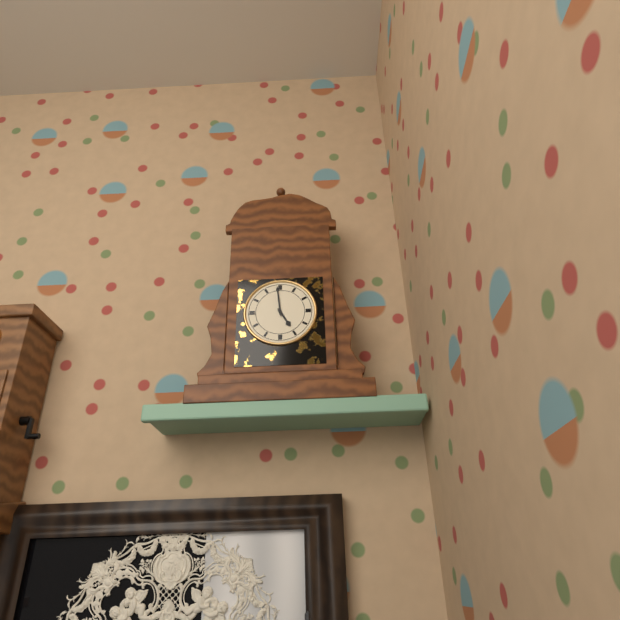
4:59
